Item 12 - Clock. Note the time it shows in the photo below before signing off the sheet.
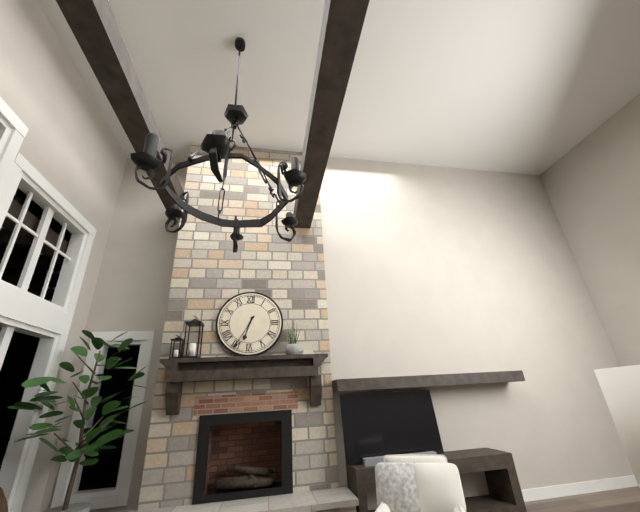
6:35
